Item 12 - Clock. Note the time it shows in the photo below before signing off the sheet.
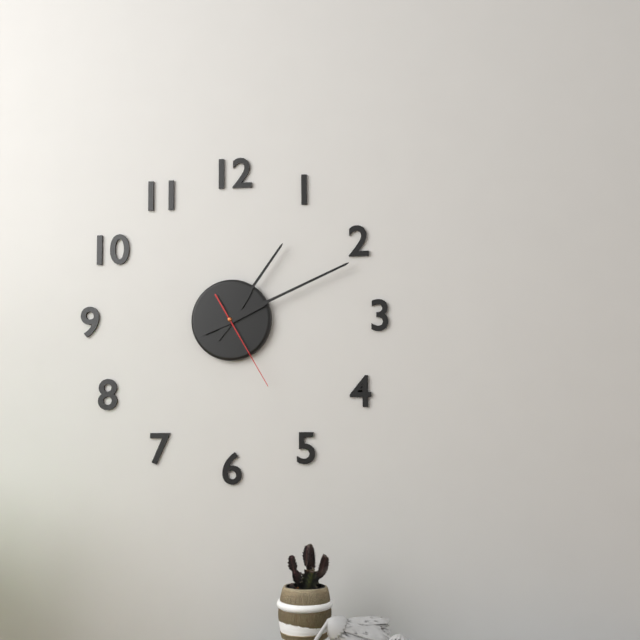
1:11:25
